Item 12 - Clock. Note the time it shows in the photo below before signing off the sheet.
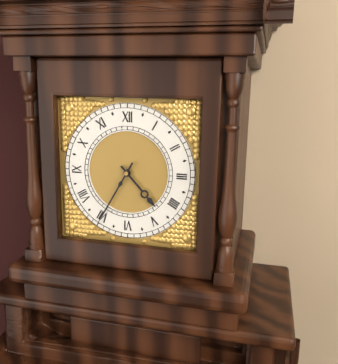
4:35
